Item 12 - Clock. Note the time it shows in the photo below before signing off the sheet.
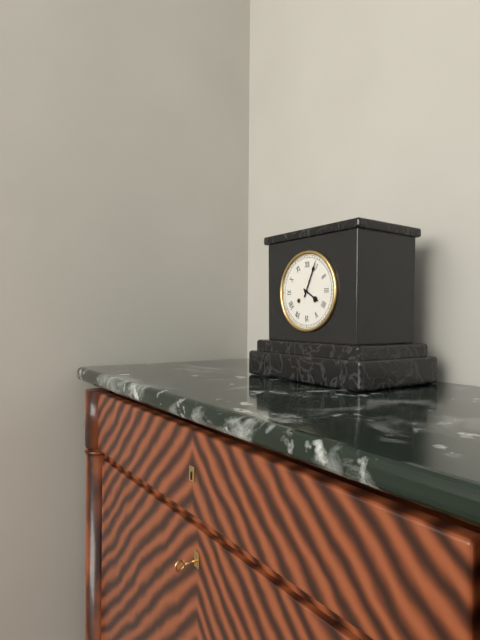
4:04
